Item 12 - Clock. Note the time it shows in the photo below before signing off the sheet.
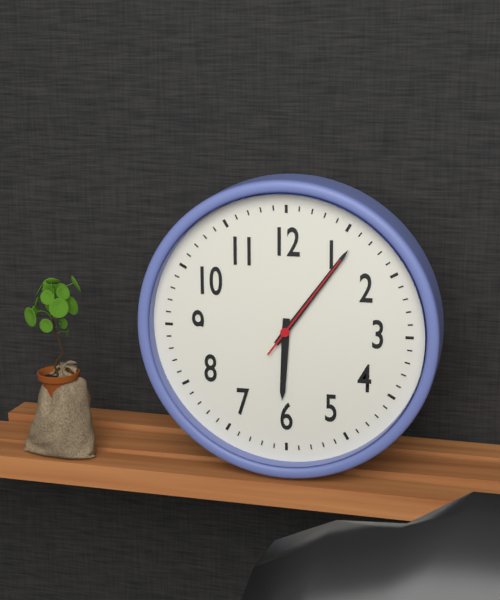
6:06:06
